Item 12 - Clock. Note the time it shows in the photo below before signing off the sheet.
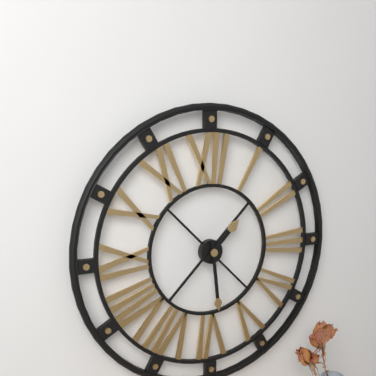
1:29
